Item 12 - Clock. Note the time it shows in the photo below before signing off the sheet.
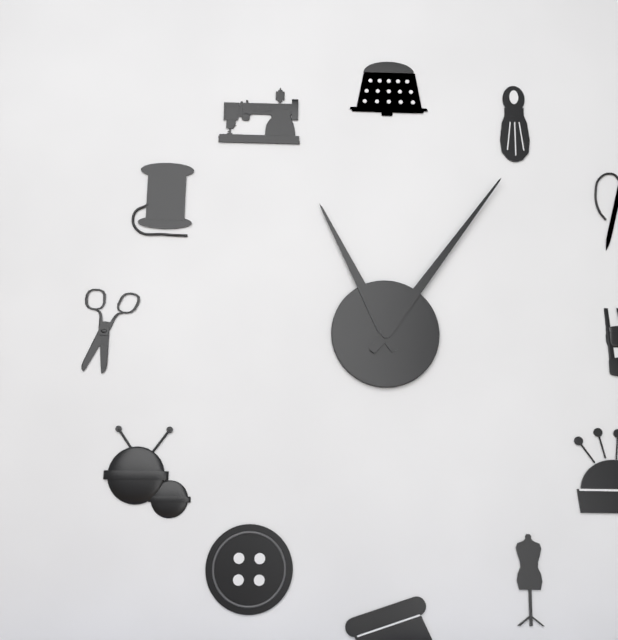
11:06
